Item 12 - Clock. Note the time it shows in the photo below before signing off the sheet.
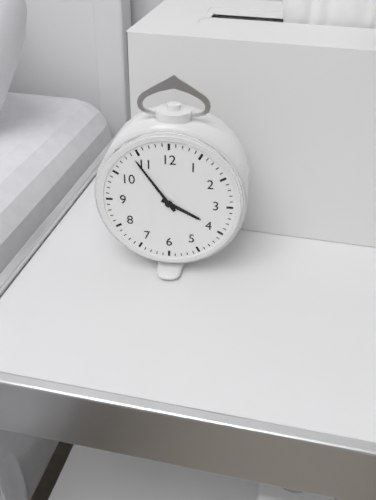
3:54
